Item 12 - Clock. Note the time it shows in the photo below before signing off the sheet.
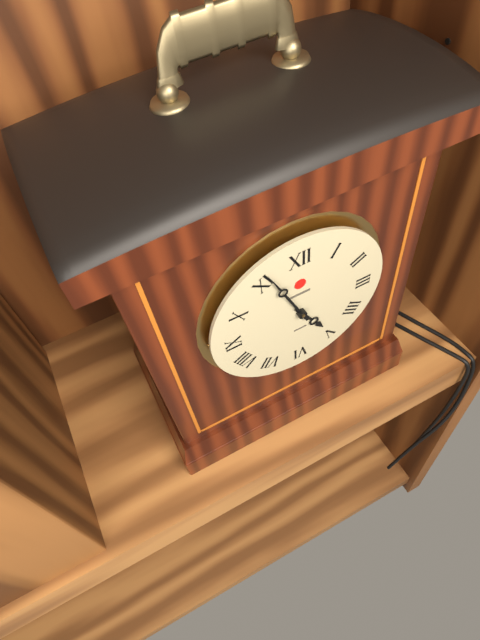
4:56
